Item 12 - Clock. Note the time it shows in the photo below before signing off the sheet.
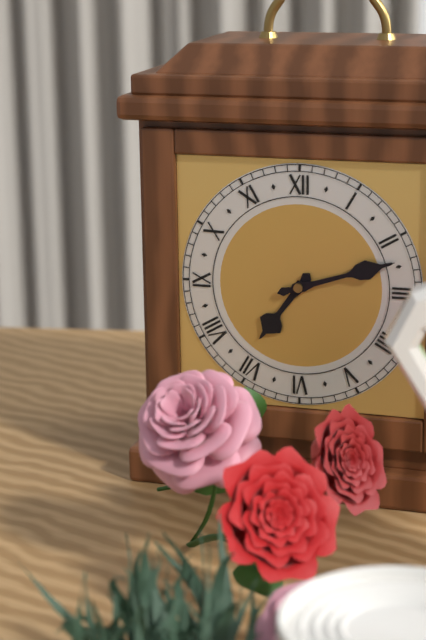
7:12
